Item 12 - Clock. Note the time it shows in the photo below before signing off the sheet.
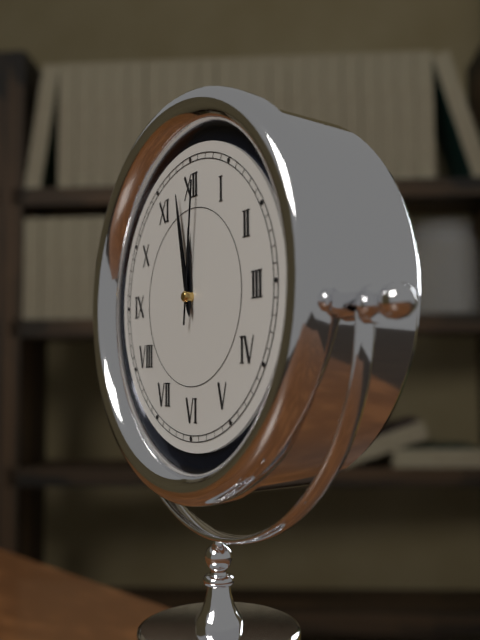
11:58:01
